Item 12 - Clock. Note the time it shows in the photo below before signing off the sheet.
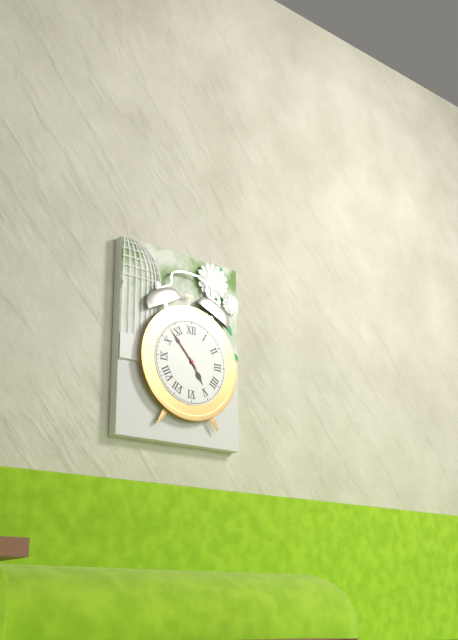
4:53:53
